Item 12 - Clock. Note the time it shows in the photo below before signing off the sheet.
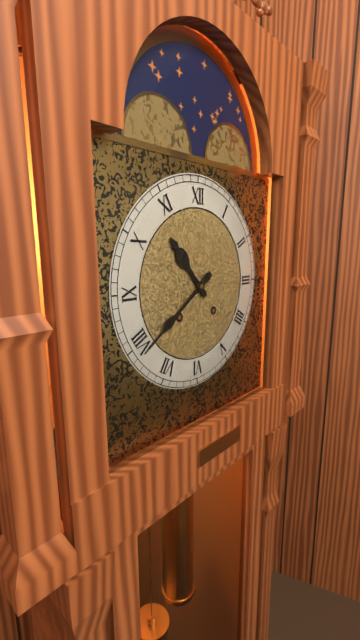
10:39
